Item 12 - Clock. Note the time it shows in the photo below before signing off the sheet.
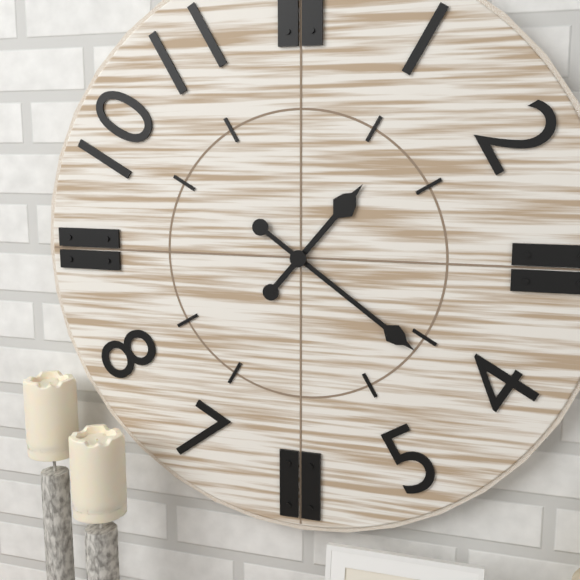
1:21
